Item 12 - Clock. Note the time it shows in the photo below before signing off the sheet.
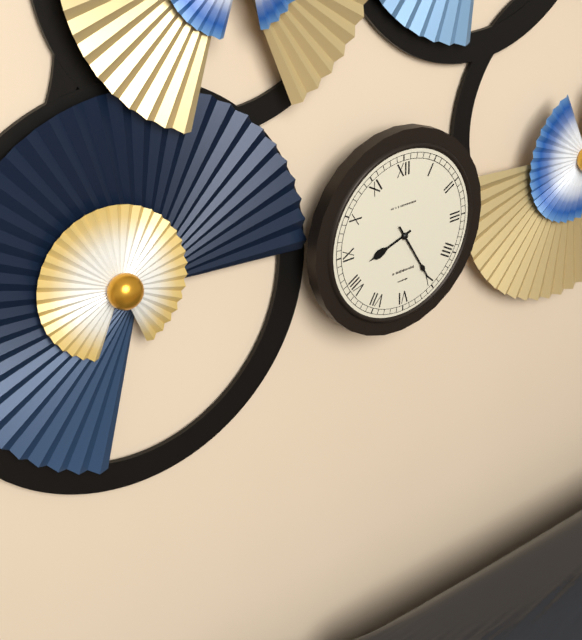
8:25
